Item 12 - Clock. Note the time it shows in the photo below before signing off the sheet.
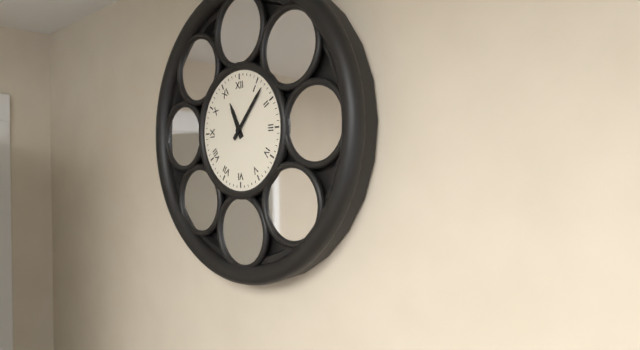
11:07
